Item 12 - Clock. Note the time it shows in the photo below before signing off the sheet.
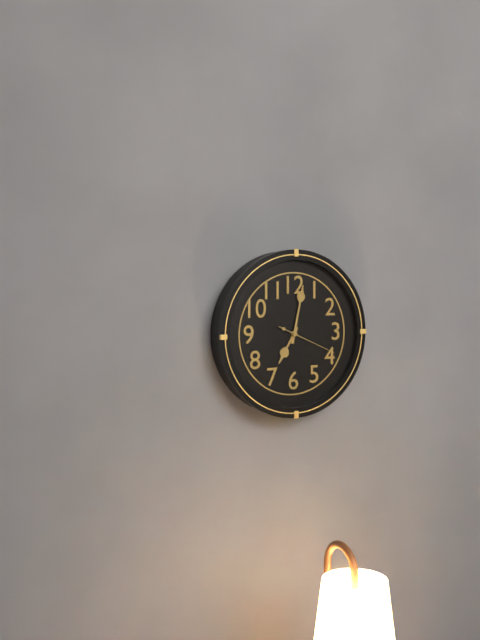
7:02:19
